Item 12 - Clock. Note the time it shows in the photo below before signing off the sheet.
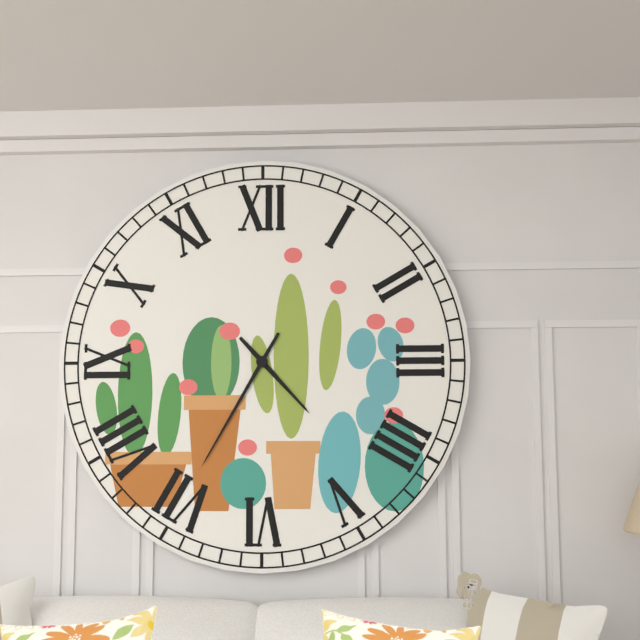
4:35
